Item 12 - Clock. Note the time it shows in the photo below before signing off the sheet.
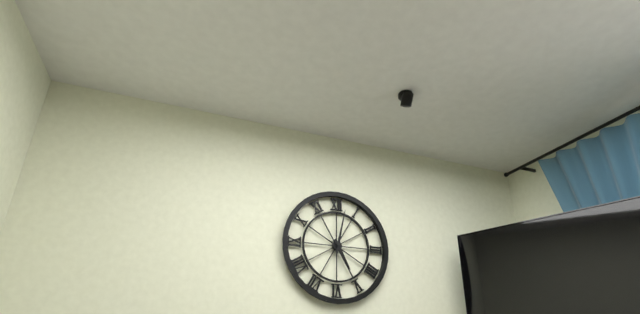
5:02
